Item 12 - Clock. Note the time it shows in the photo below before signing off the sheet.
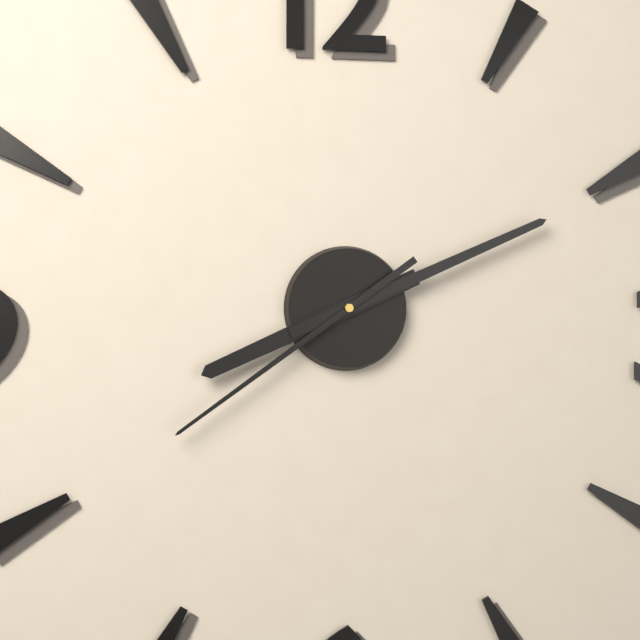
8:11:39
